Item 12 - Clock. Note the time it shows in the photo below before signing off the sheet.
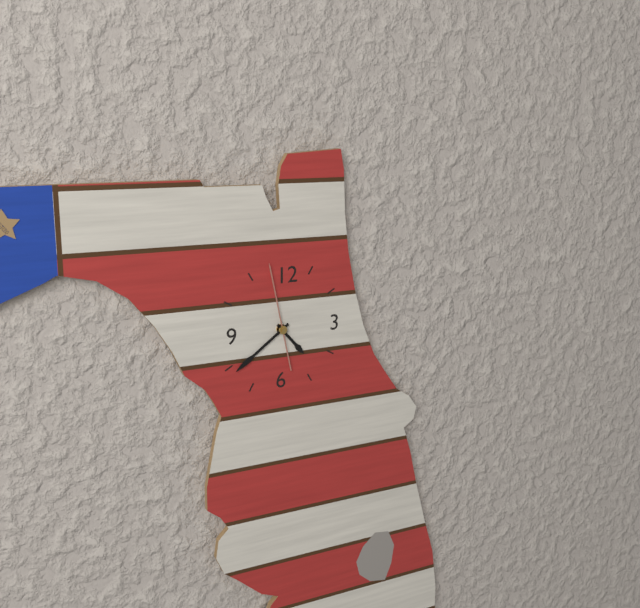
4:39:58
